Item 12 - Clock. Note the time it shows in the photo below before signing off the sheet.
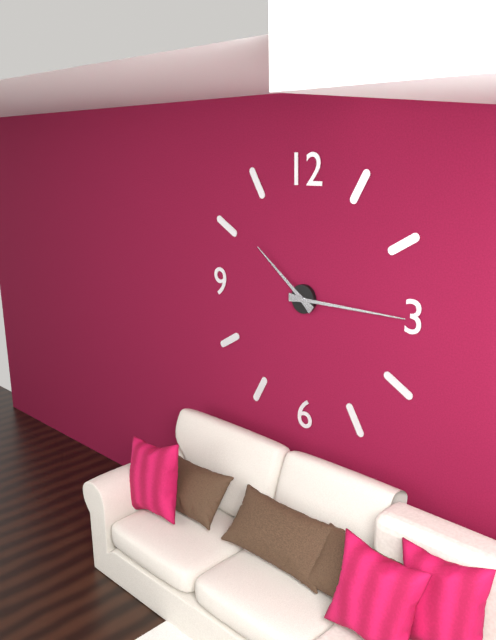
10:15
